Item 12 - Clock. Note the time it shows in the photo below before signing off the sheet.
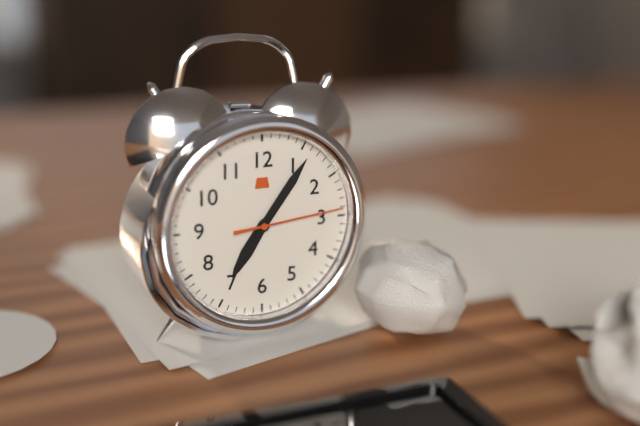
7:06:14
